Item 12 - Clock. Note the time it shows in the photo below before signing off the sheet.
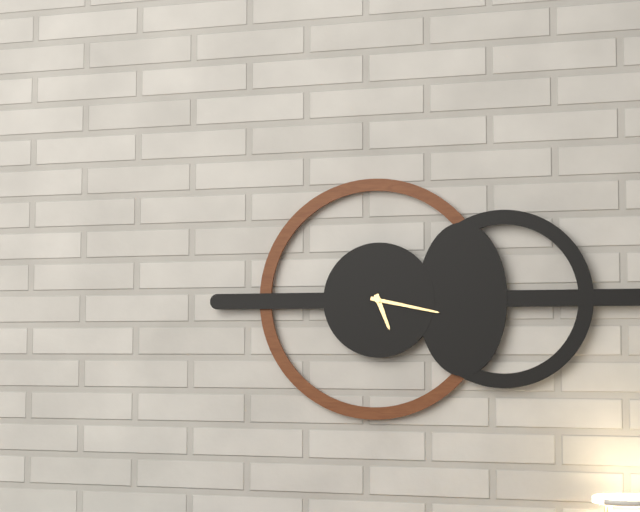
5:17
